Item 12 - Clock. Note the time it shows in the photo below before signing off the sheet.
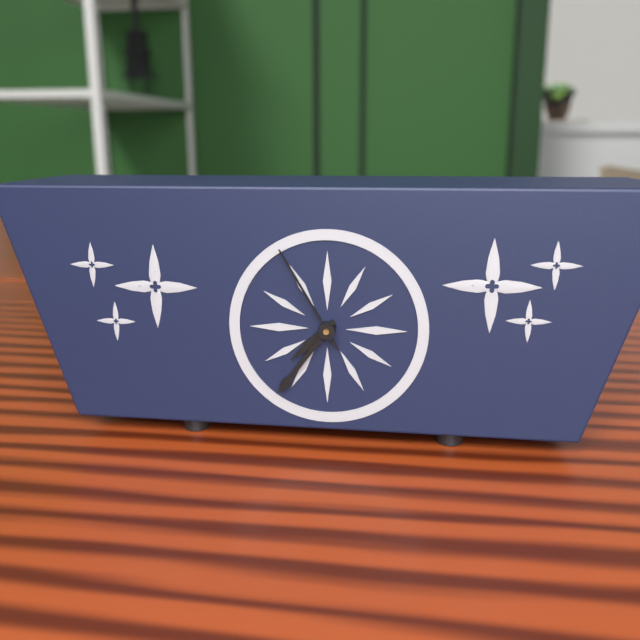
7:36:55
